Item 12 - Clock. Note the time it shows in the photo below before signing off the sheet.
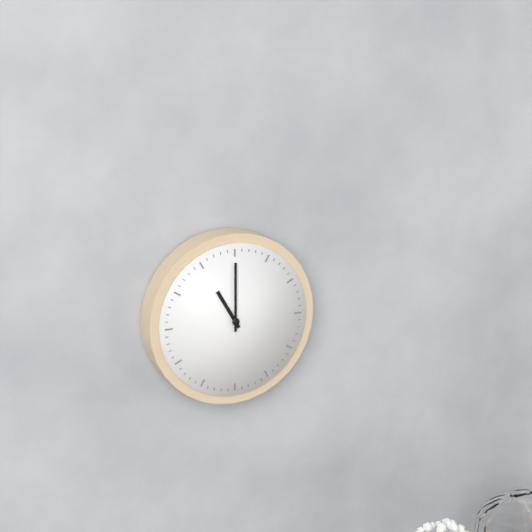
11:00
